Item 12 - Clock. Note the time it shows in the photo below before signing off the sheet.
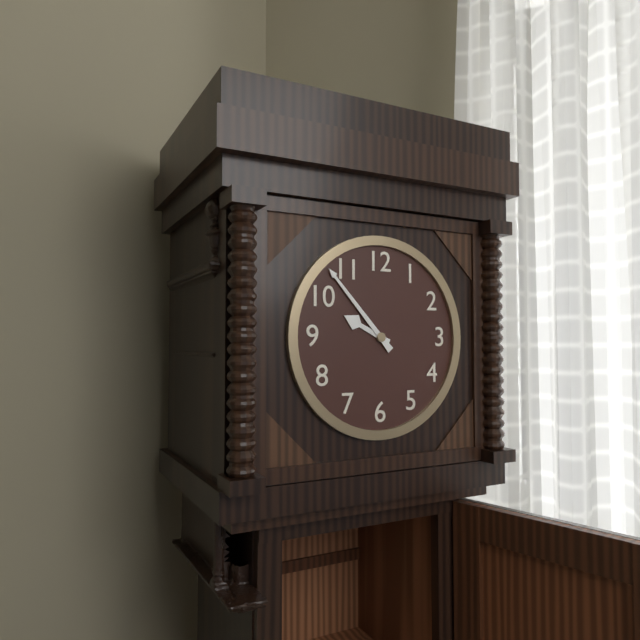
9:53
